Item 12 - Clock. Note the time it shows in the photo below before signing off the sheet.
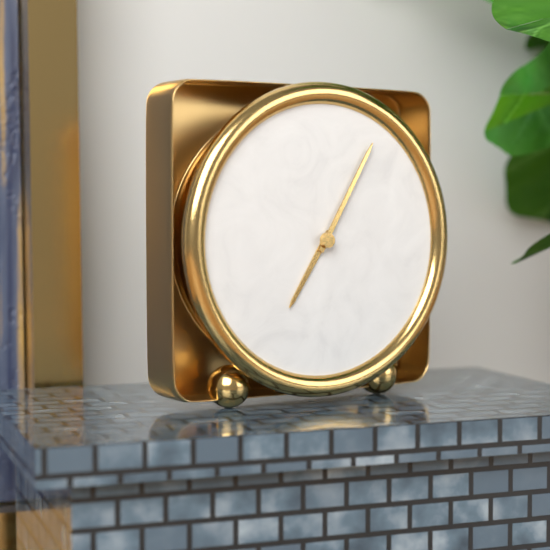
7:05
